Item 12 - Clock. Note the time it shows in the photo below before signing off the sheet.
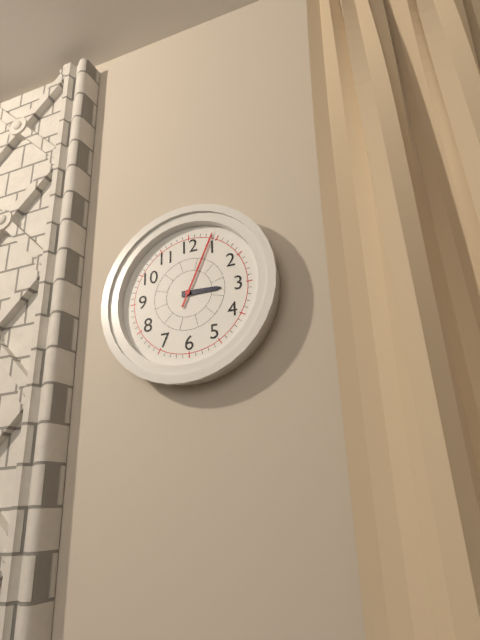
3:04
